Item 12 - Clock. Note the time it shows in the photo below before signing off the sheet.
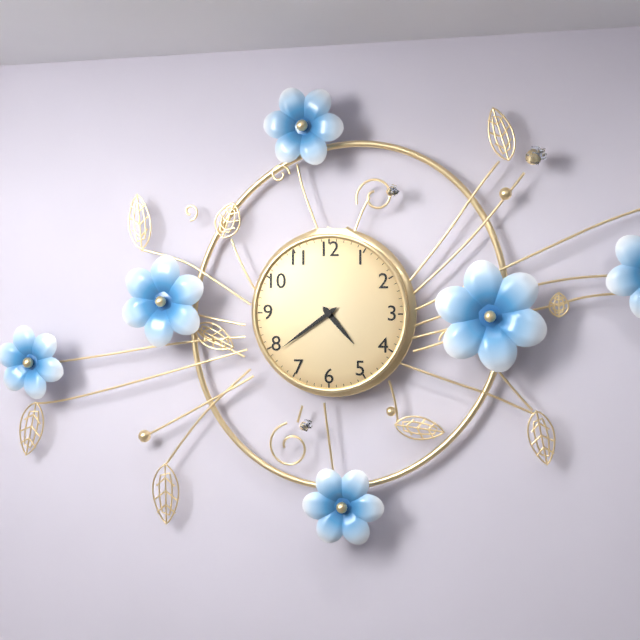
4:39
